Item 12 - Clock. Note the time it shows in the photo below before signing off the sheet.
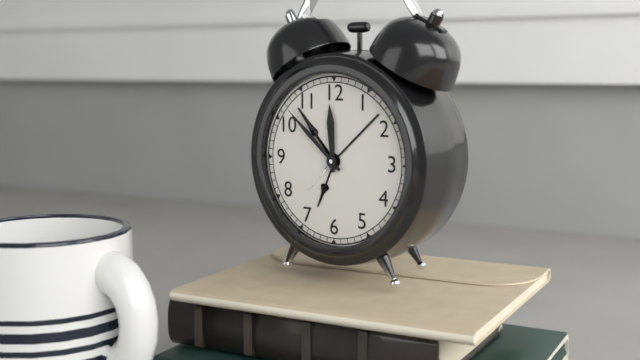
11:52
